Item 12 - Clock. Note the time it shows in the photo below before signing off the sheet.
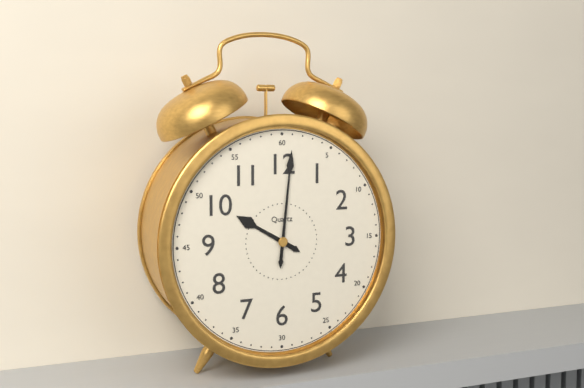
10:01
